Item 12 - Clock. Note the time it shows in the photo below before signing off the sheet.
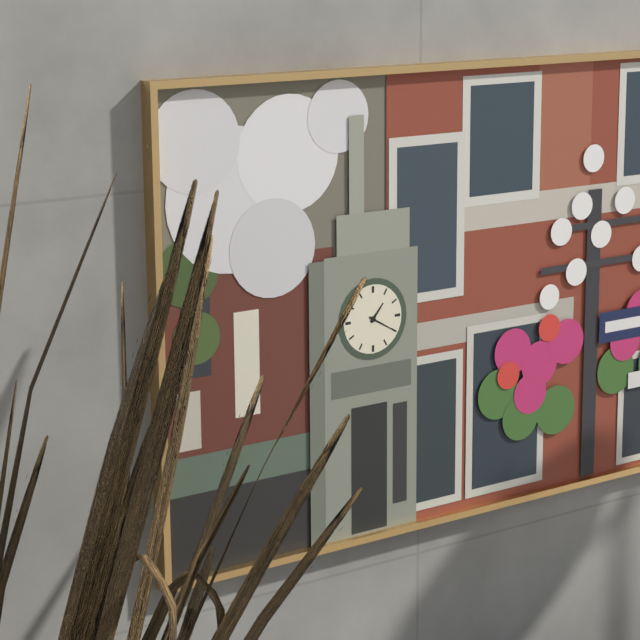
1:20
